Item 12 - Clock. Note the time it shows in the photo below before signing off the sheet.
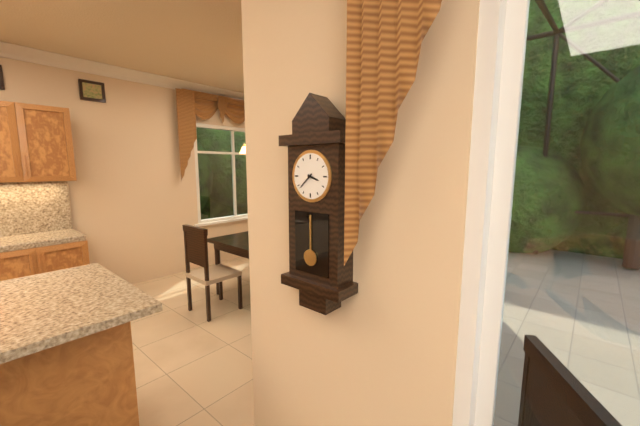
3:38
